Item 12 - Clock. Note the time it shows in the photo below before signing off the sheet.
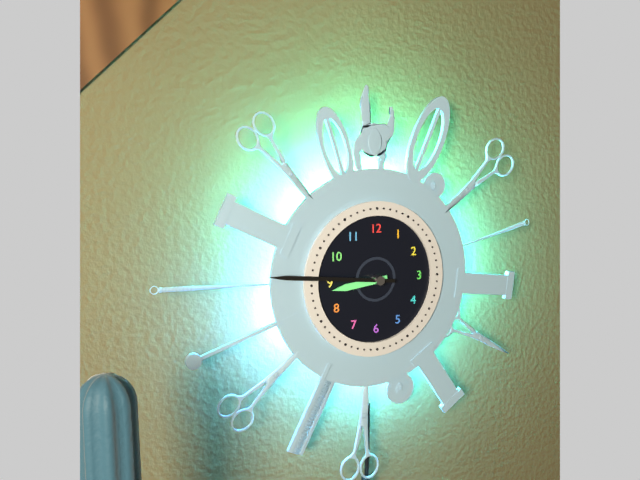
8:46
